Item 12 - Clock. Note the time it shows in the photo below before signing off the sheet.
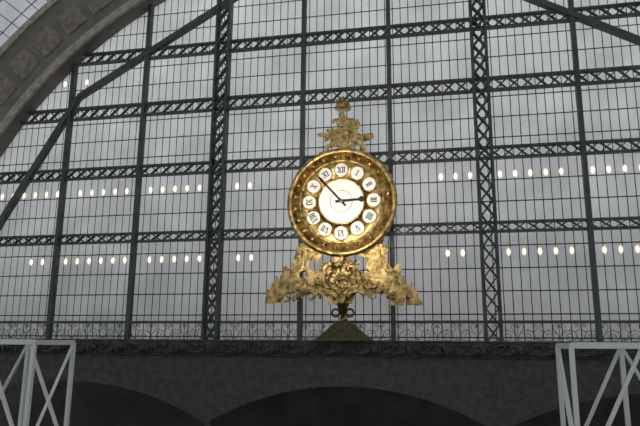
2:53
